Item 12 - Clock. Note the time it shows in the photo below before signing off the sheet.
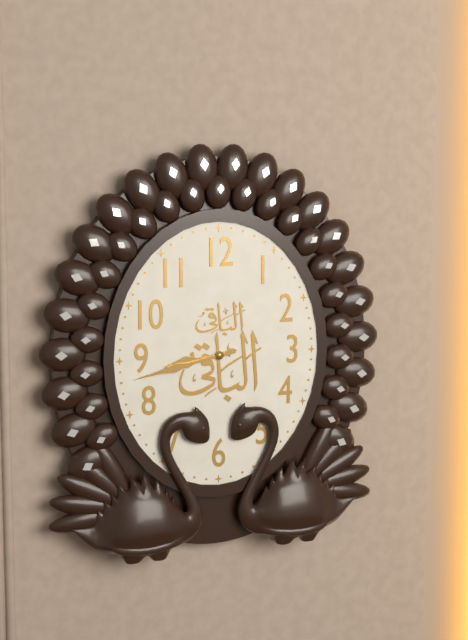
8:43
